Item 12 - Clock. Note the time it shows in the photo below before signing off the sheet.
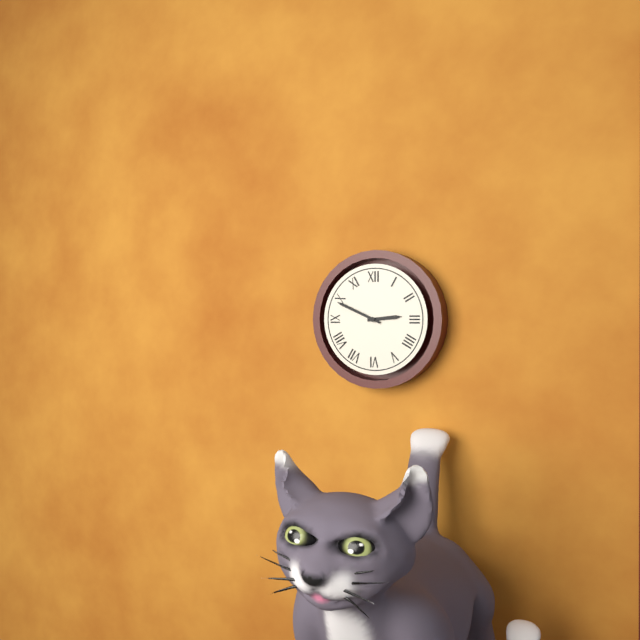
2:49
